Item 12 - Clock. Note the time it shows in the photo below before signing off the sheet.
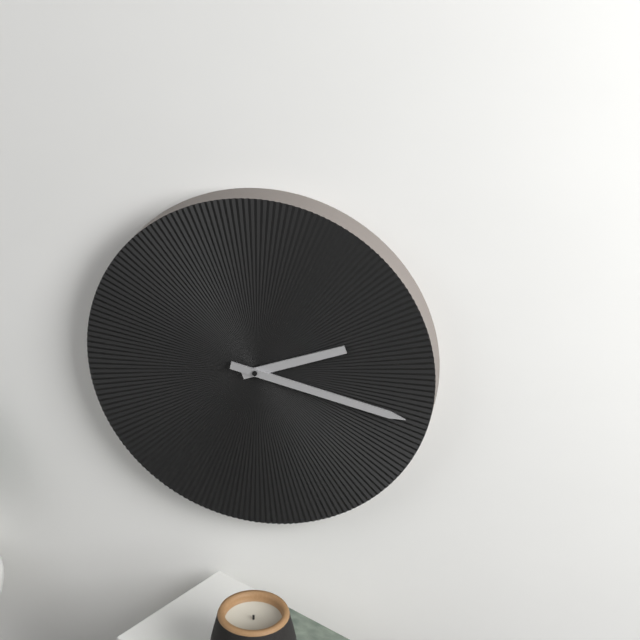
2:17
